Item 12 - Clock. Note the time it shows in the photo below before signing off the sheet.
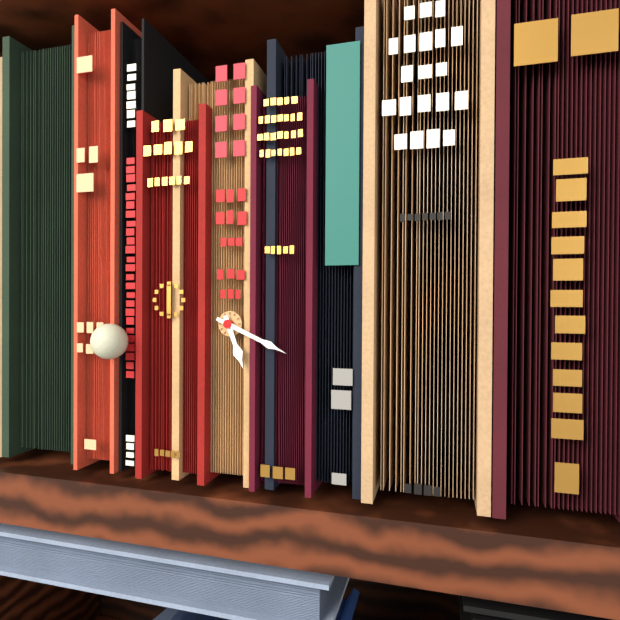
5:19
